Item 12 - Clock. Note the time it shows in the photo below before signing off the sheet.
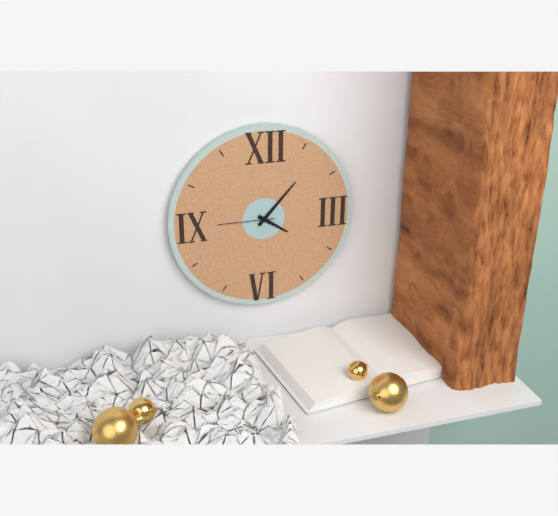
4:07:45
